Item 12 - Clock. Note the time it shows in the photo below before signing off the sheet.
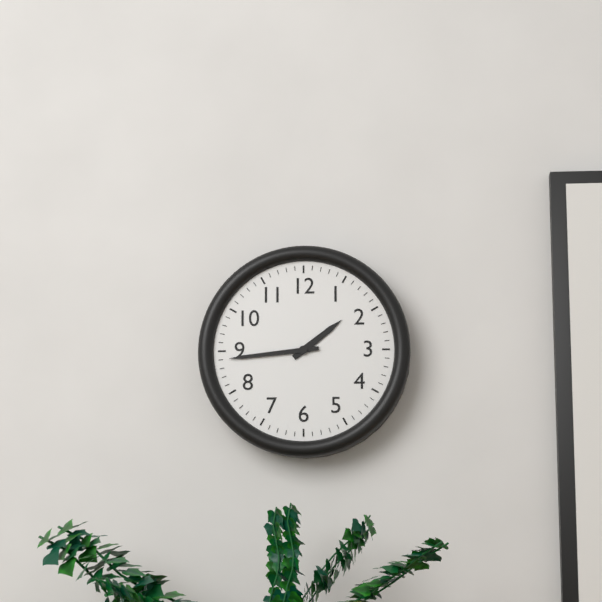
1:44
